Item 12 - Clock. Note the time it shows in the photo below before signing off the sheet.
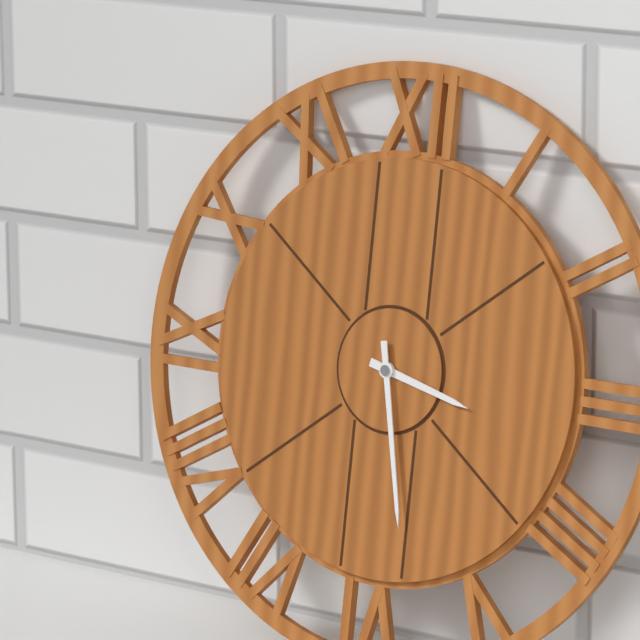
3:28
